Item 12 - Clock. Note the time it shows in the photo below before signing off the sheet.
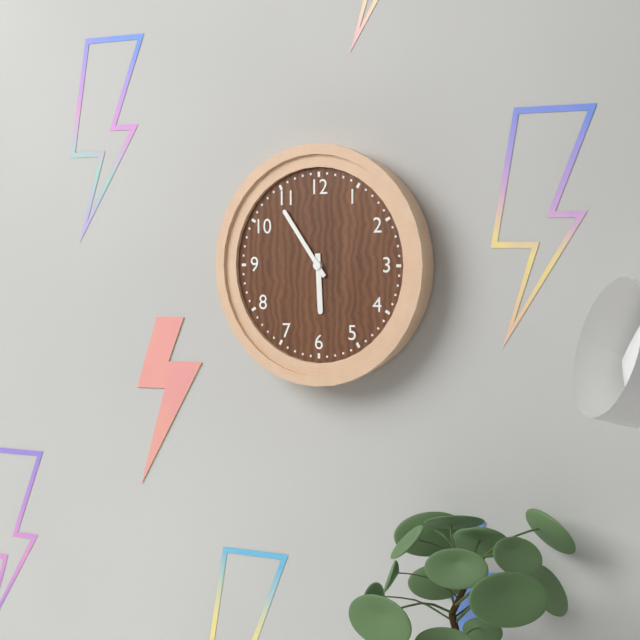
5:54
